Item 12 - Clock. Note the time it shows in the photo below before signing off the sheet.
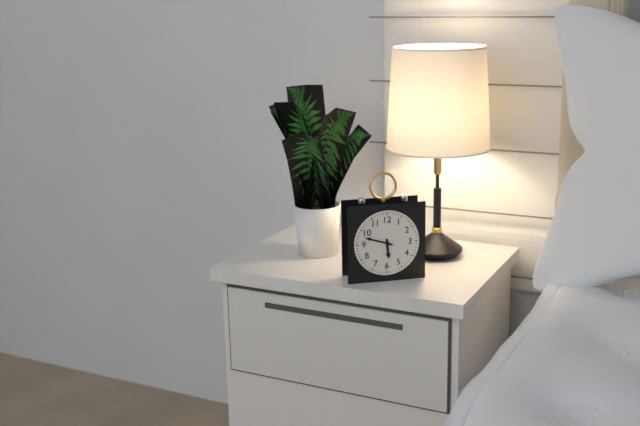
5:48
